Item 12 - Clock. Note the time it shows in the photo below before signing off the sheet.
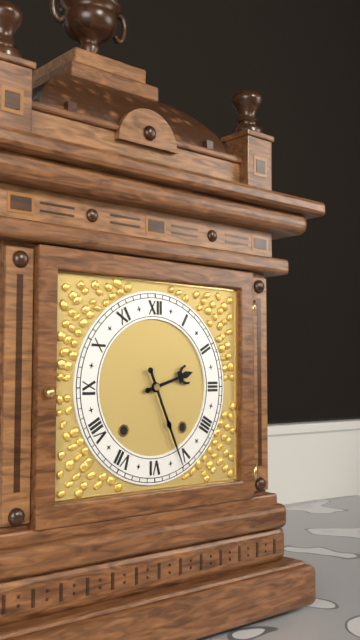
2:26
